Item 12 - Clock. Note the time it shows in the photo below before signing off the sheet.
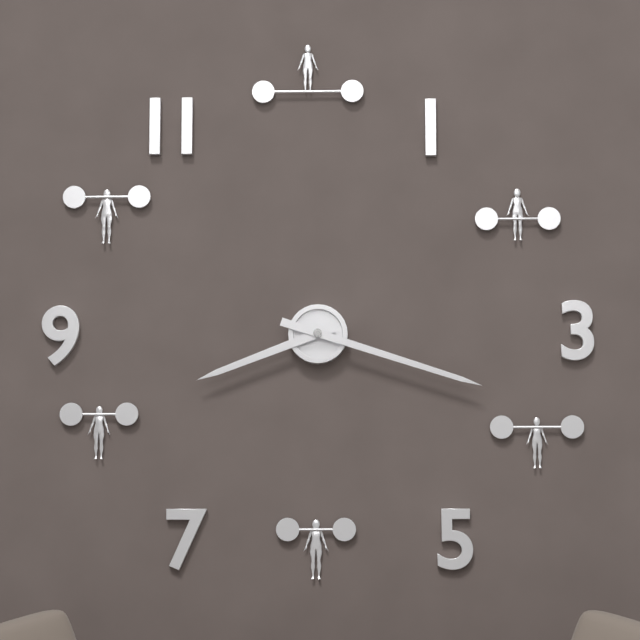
8:18
